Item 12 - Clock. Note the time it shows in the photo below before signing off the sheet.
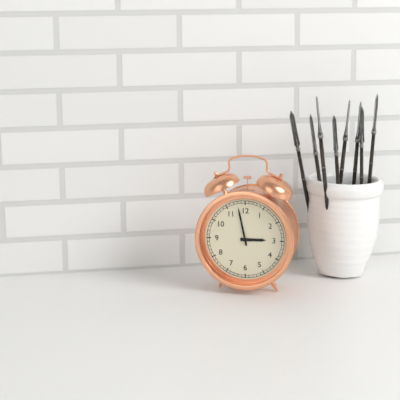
2:58
